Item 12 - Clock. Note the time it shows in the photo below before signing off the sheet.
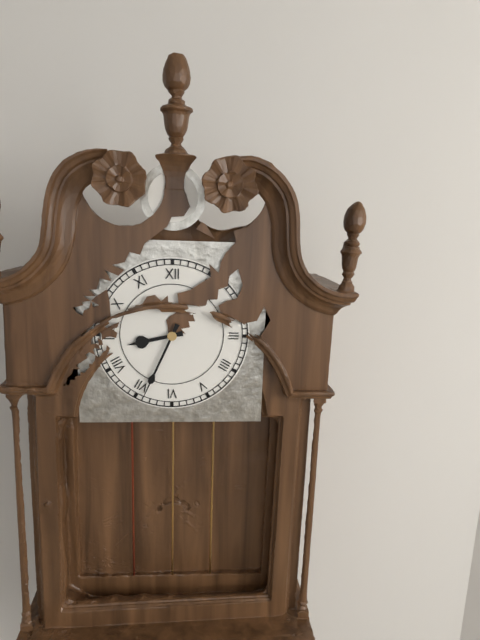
8:34
